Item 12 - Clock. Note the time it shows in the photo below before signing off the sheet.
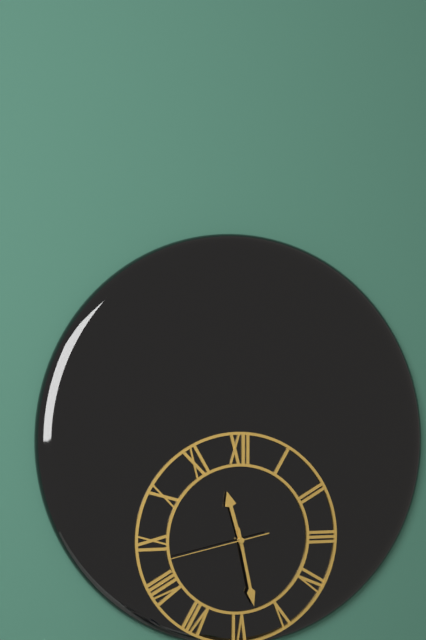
11:28:43
